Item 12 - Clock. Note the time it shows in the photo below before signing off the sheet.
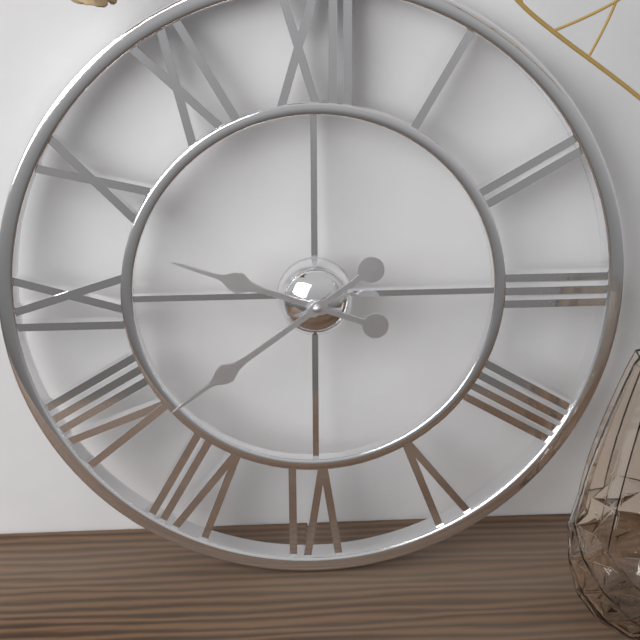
9:39
